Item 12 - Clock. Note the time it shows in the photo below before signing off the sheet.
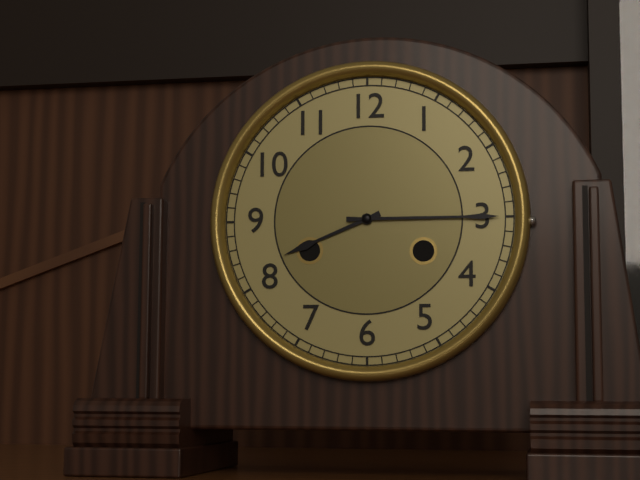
8:15
